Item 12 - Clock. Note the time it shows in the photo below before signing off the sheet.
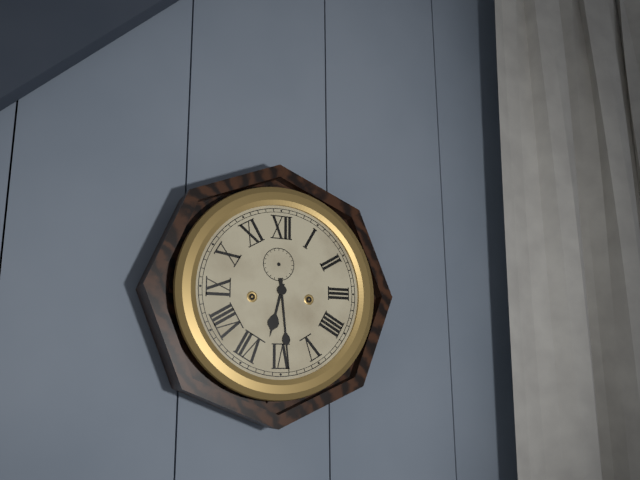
6:29
